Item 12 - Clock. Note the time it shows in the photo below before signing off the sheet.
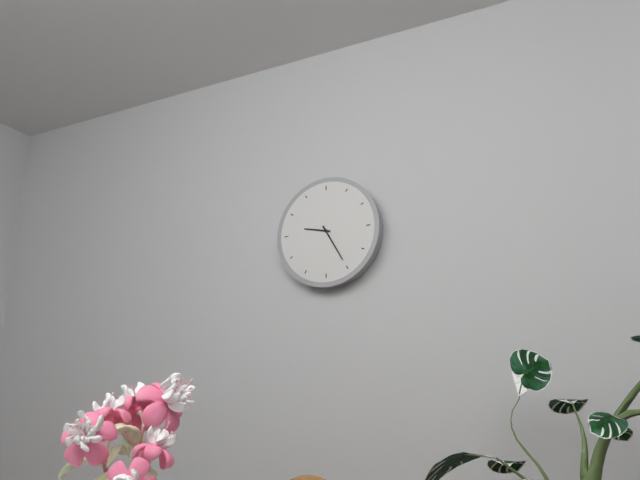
9:25
